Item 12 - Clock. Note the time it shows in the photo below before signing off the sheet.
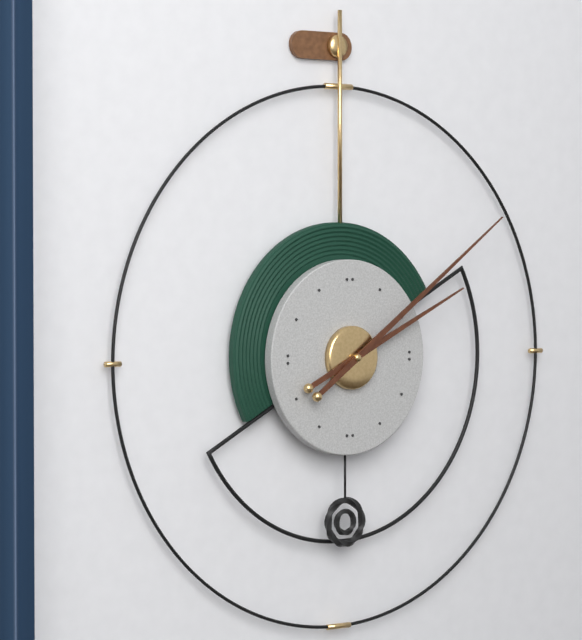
2:09
